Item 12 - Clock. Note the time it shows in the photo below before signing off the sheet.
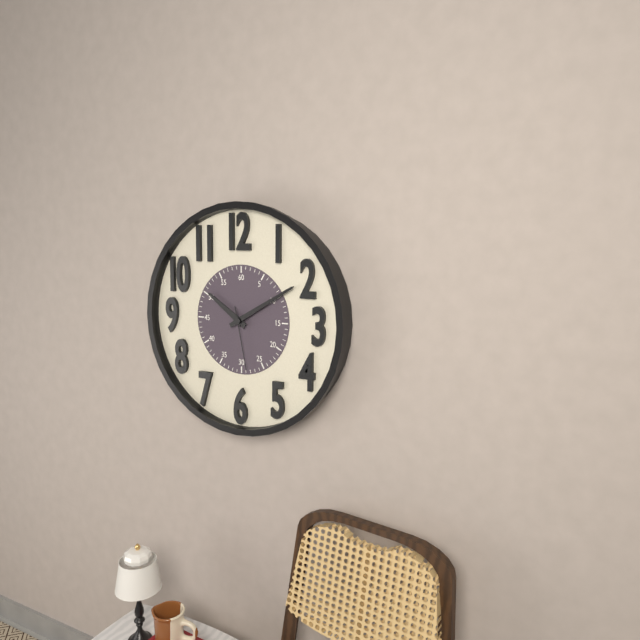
10:10:28
